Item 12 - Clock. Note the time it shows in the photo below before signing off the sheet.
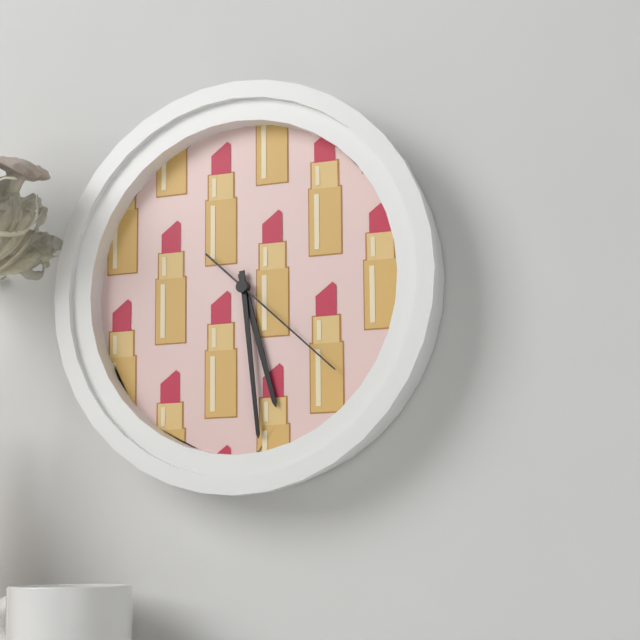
5:29:22
